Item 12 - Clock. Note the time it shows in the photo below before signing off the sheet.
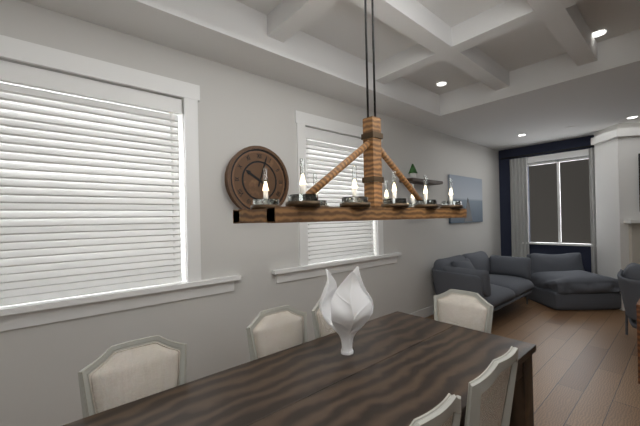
10:03
